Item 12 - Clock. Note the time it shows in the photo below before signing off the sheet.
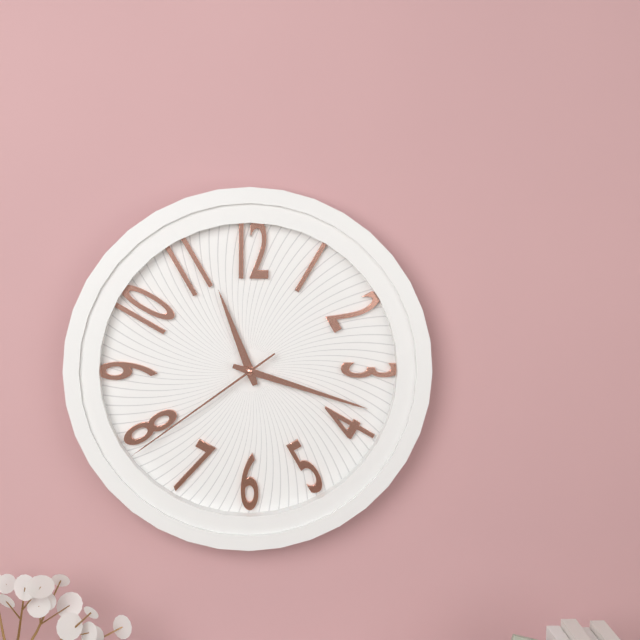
11:18:39
